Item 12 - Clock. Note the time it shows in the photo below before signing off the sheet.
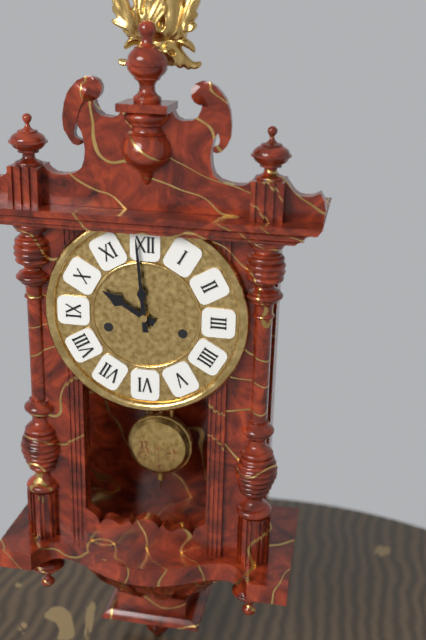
9:59
